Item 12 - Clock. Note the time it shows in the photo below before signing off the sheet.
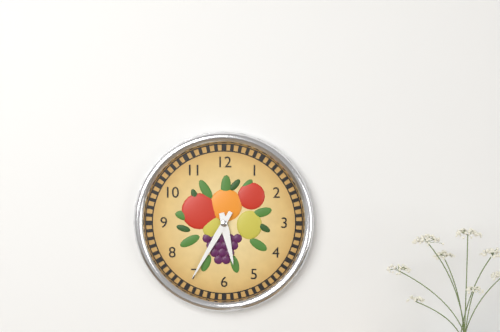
5:35
